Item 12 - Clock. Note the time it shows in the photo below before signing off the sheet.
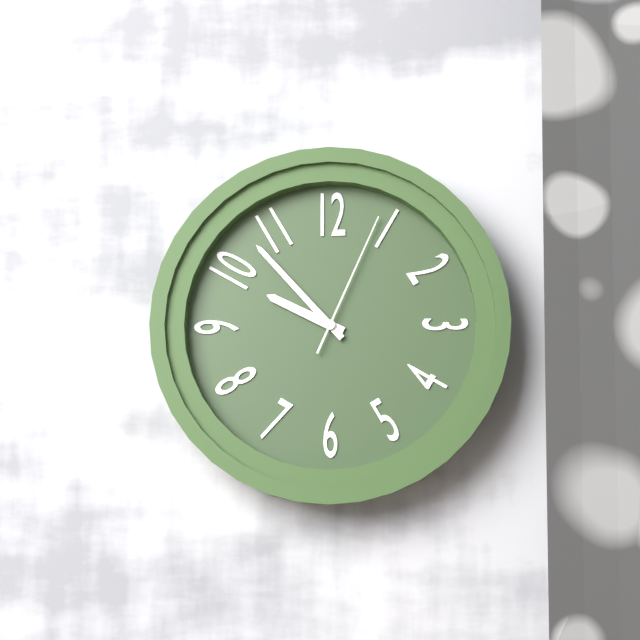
9:53:04
